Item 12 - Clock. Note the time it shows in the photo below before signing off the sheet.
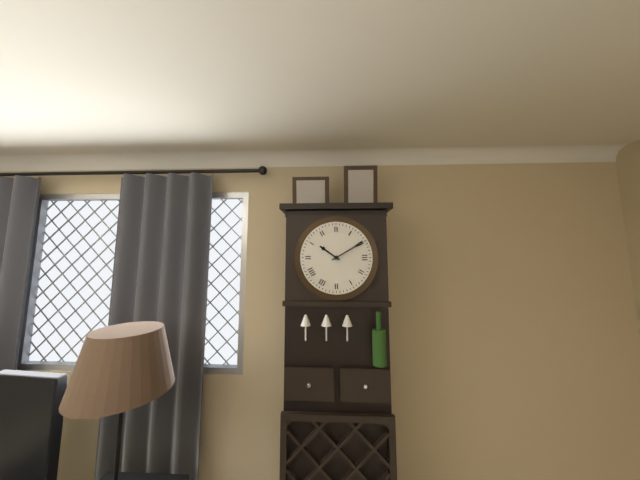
10:10
